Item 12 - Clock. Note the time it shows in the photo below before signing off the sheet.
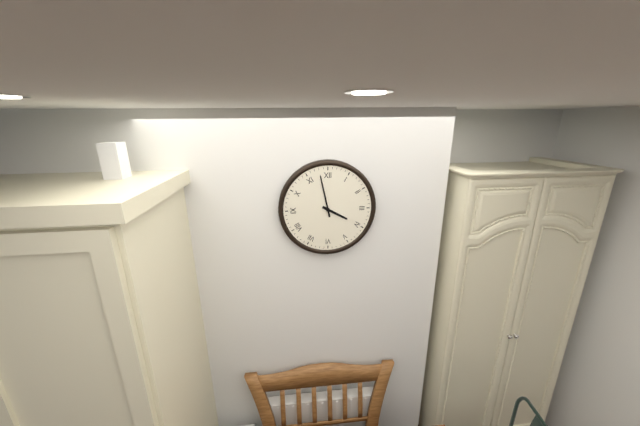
3:58
